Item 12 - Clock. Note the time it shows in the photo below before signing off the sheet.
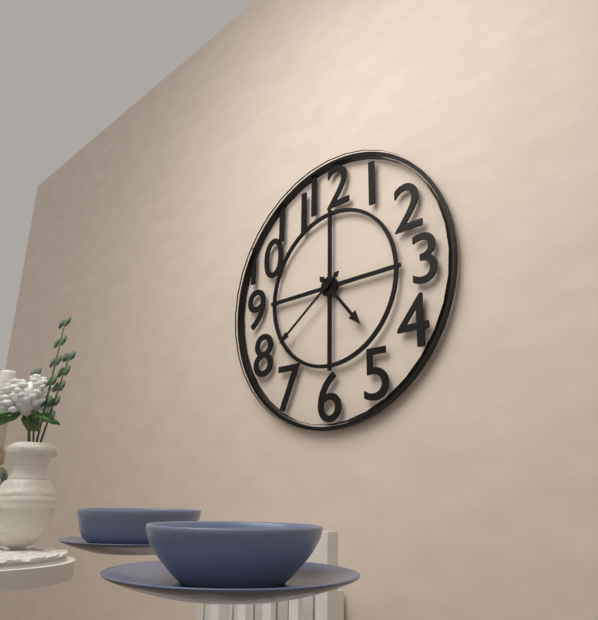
4:39
